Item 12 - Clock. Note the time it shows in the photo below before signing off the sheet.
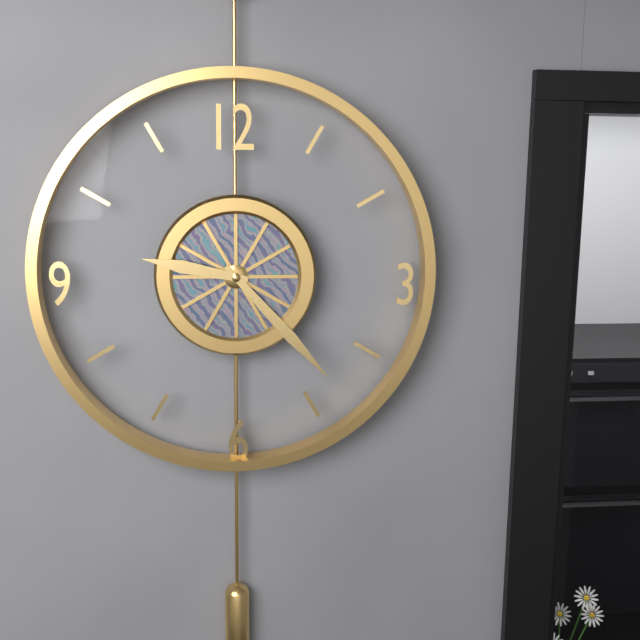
9:23
